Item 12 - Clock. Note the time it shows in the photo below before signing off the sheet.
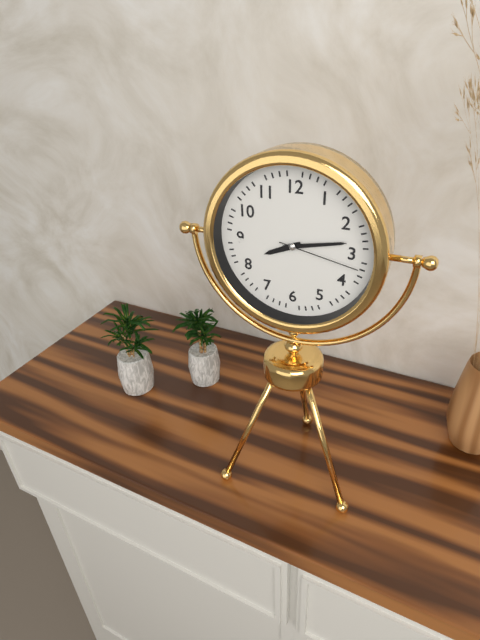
8:13:17
